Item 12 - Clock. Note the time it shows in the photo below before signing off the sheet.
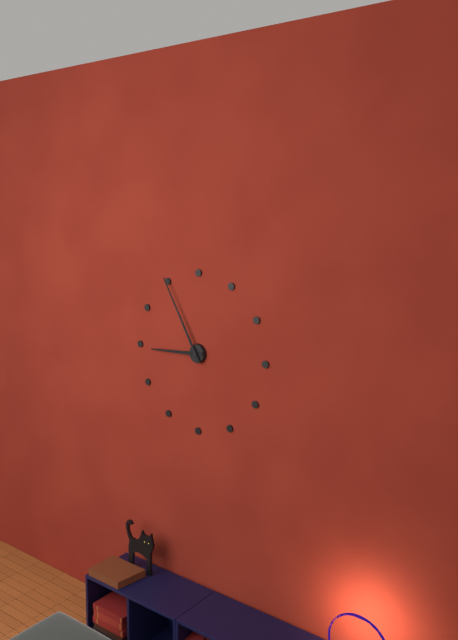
8:55
